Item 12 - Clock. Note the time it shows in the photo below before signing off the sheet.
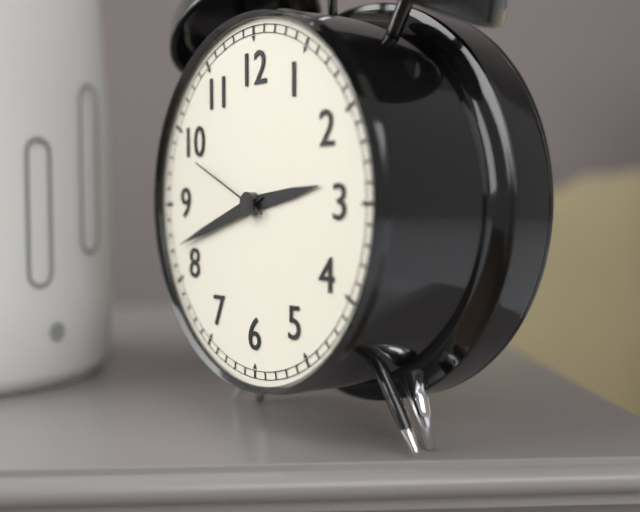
2:42:49
